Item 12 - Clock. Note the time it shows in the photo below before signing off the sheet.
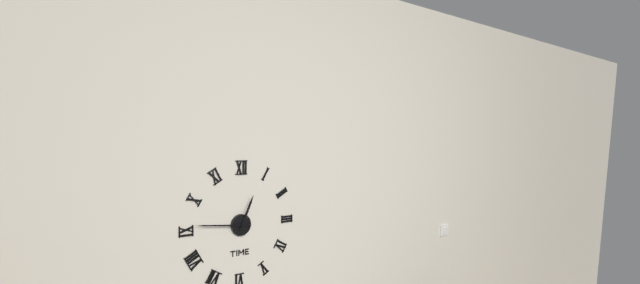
12:46
